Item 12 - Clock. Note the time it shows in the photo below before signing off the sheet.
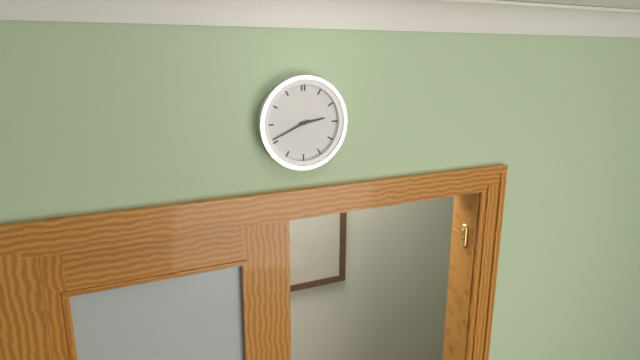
2:41
